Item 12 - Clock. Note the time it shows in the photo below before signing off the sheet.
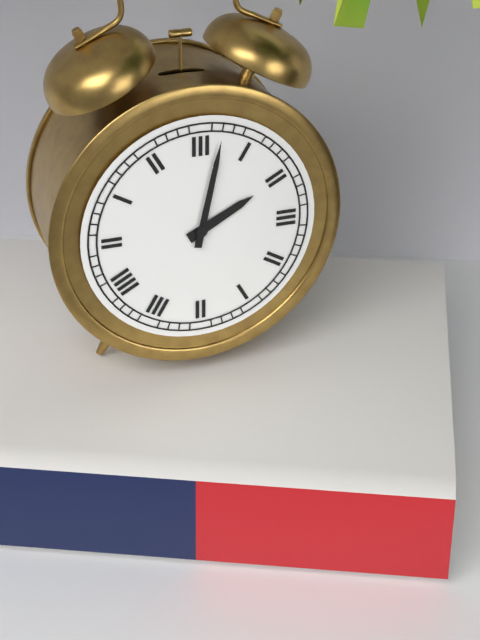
2:02
